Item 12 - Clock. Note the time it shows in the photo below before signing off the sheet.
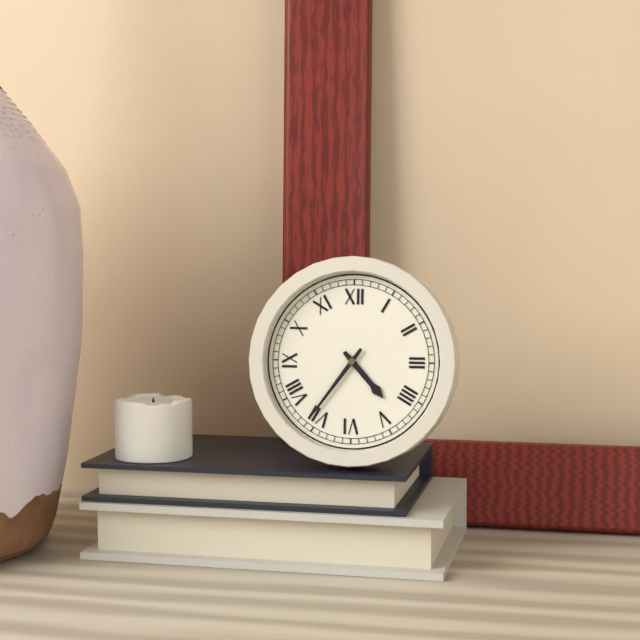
4:36
